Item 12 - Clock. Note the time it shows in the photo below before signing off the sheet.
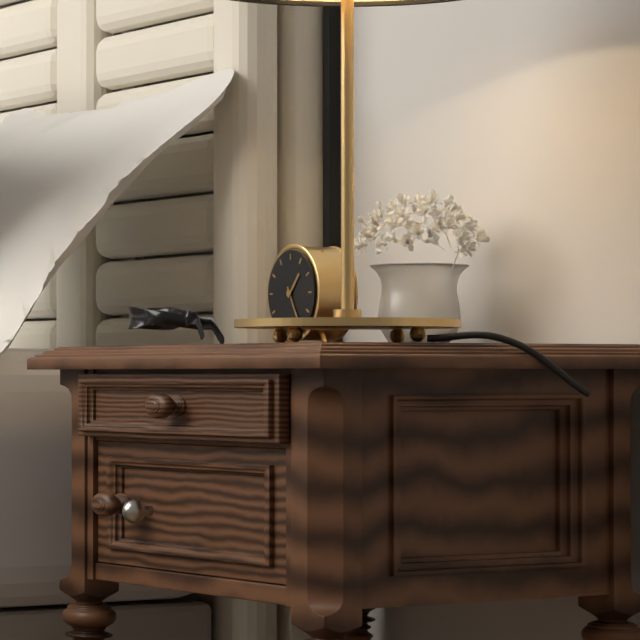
1:25
